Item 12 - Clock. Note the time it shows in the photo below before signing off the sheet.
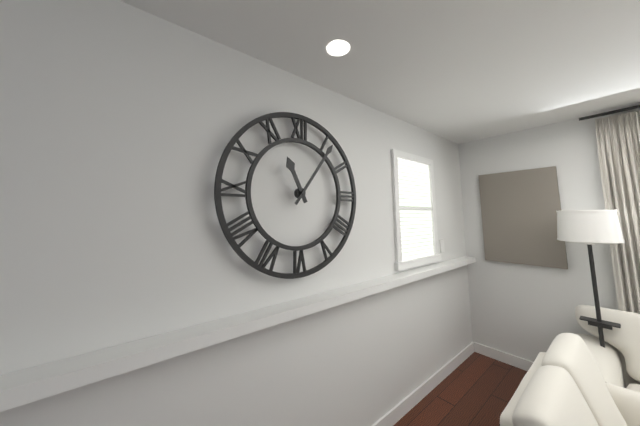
11:06
